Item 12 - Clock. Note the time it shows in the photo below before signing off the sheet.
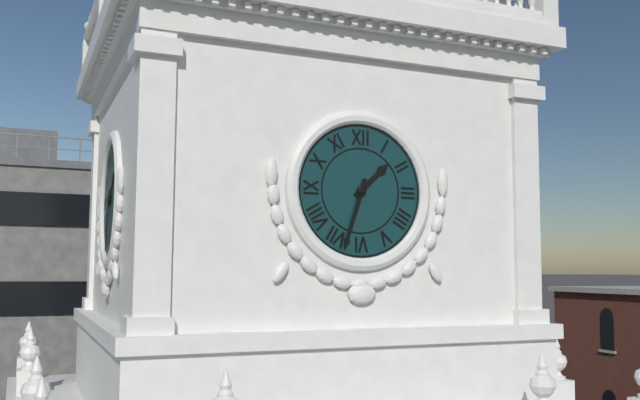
1:33
